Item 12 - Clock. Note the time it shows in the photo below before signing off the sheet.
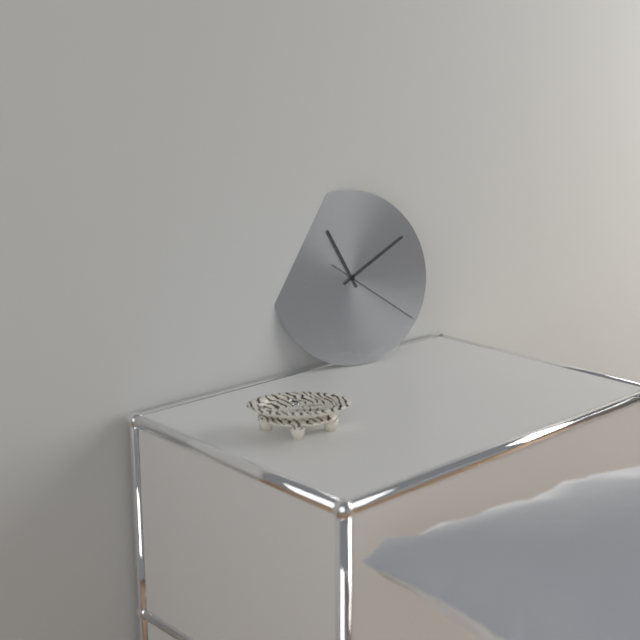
11:10:21
